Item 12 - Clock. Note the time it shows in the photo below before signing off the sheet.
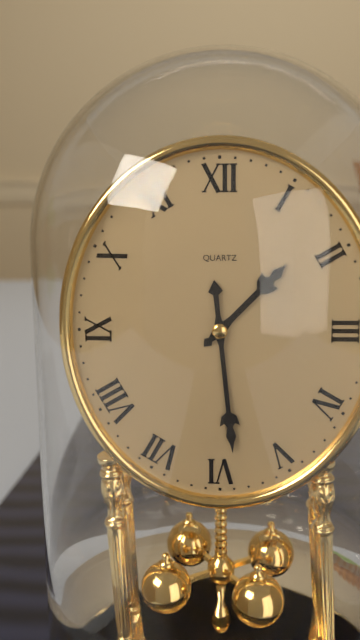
1:29
